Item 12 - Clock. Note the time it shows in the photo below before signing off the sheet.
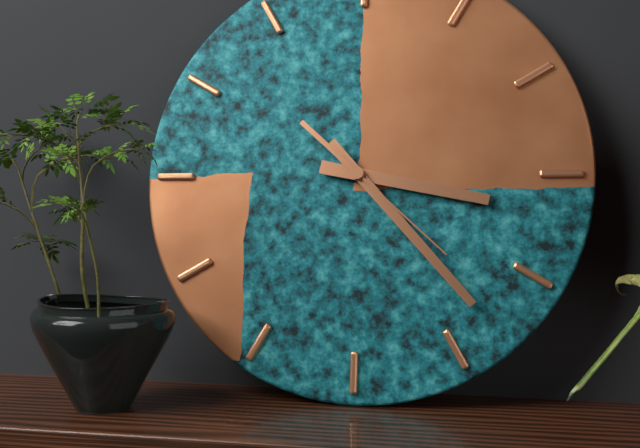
3:23:22
